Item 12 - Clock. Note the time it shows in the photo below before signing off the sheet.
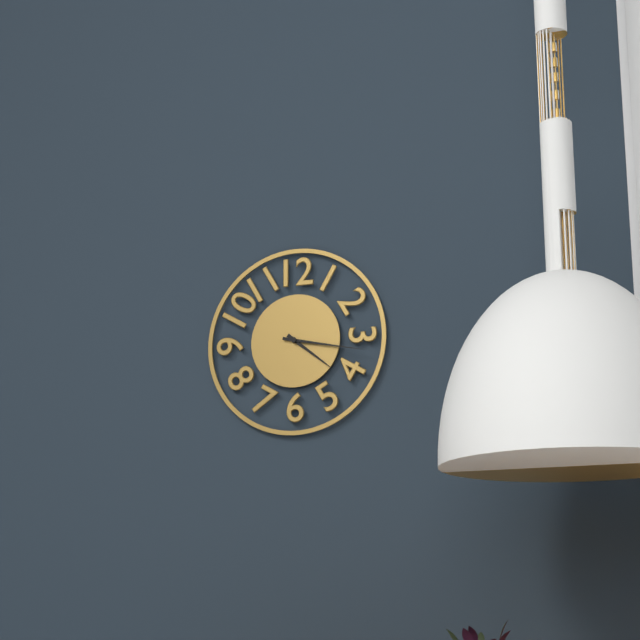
4:17
